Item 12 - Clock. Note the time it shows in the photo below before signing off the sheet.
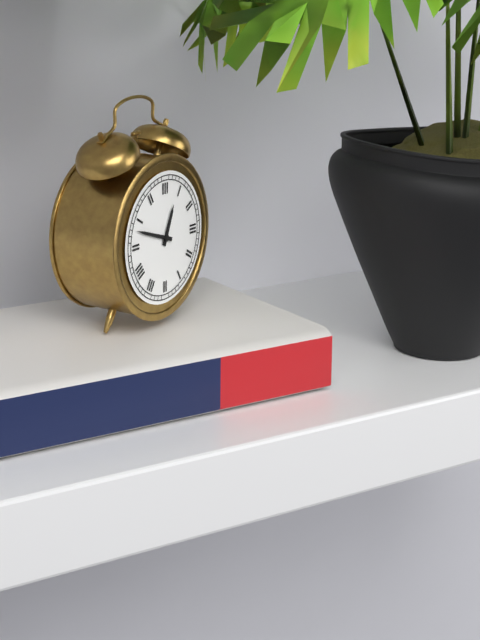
12:48
